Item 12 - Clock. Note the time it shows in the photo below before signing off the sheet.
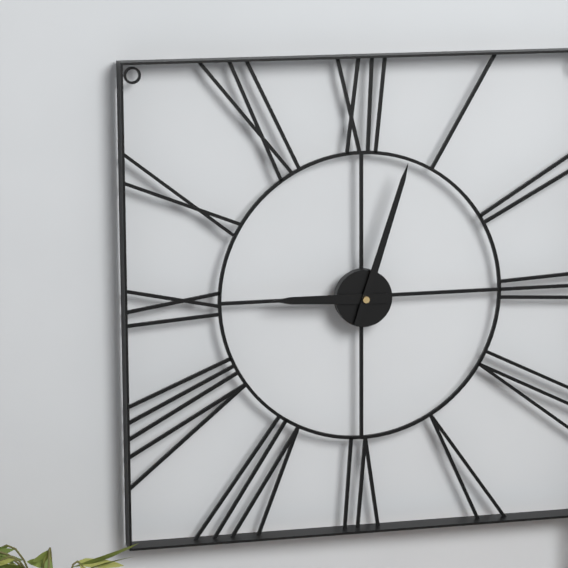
9:03
